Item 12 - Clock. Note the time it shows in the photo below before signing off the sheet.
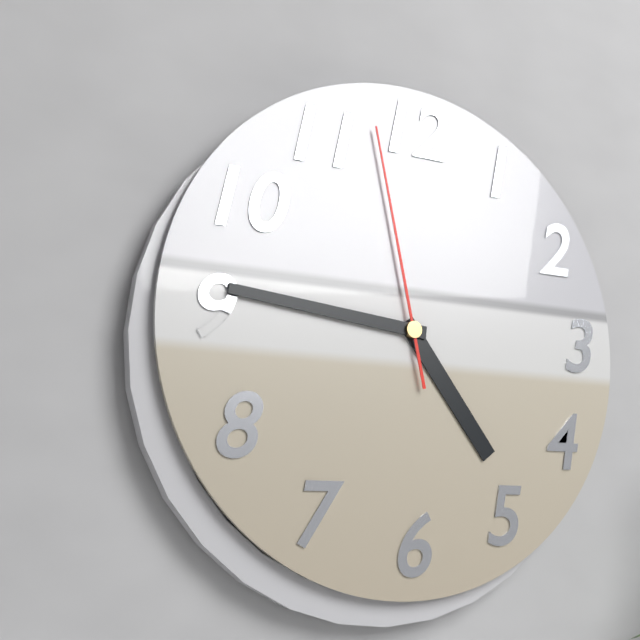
4:46:58
